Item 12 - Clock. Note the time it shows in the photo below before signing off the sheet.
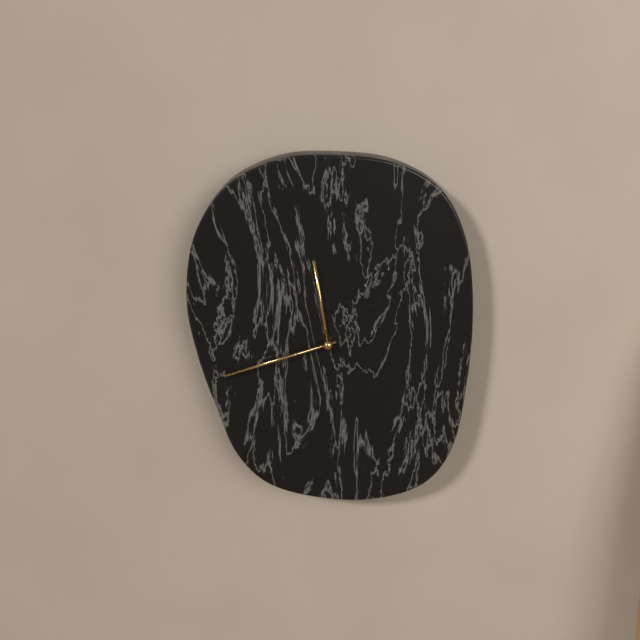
11:42
